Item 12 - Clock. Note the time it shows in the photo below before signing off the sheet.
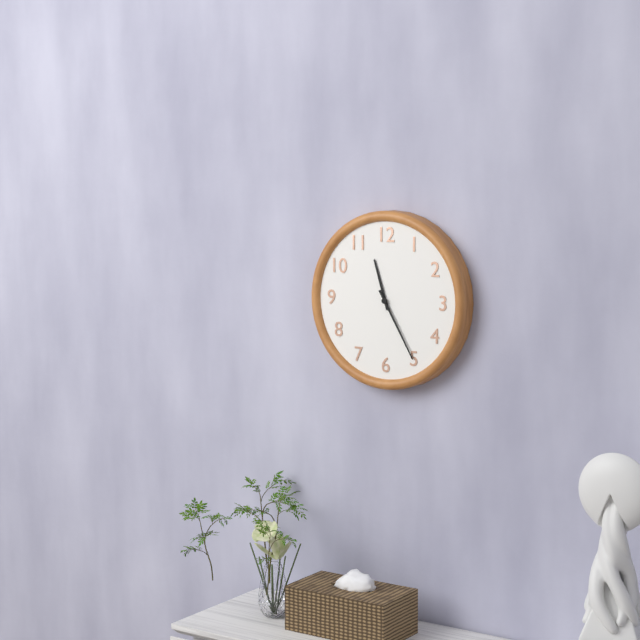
11:25
